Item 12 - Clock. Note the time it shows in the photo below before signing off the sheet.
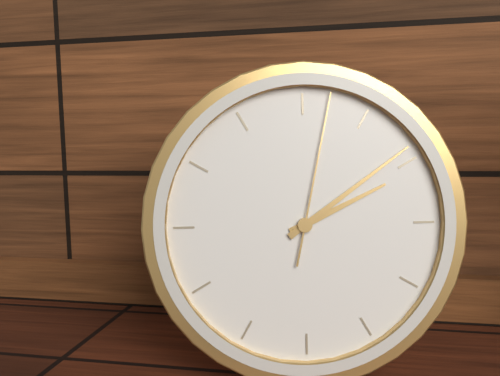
2:09:02
